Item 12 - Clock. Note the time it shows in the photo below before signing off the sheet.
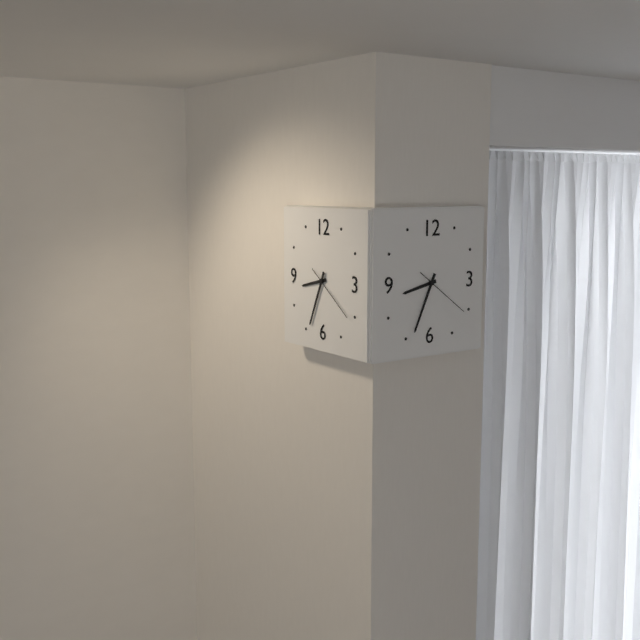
8:34:21
